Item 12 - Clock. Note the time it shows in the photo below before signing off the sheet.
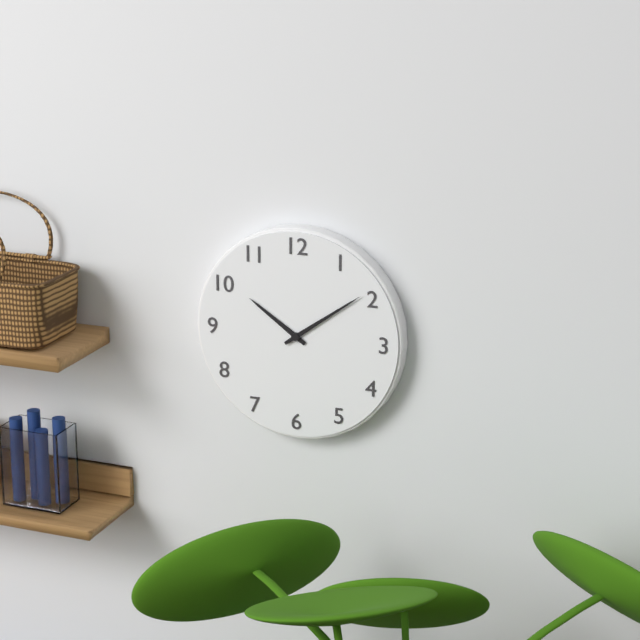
10:09
